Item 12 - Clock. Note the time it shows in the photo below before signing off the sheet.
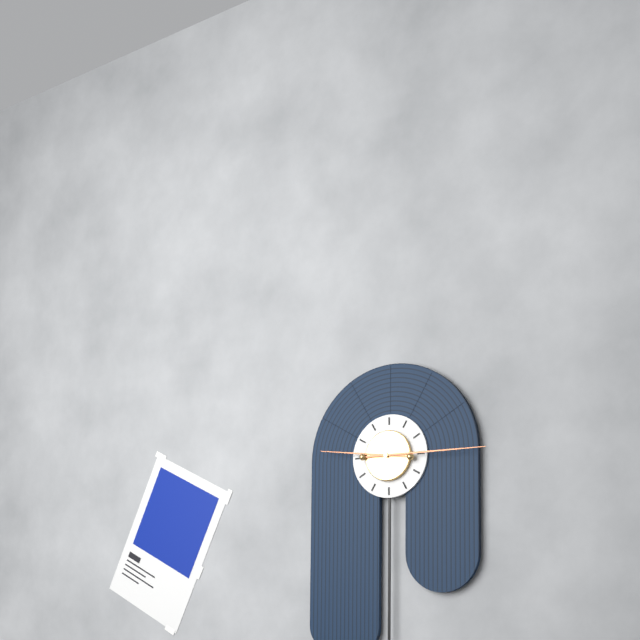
9:15
